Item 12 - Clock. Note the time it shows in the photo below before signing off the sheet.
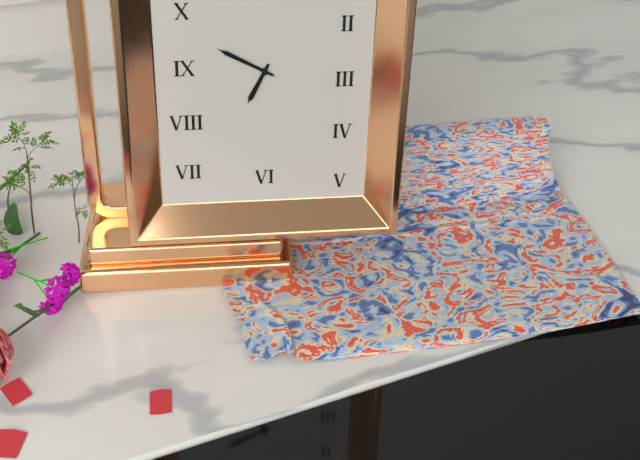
6:50
